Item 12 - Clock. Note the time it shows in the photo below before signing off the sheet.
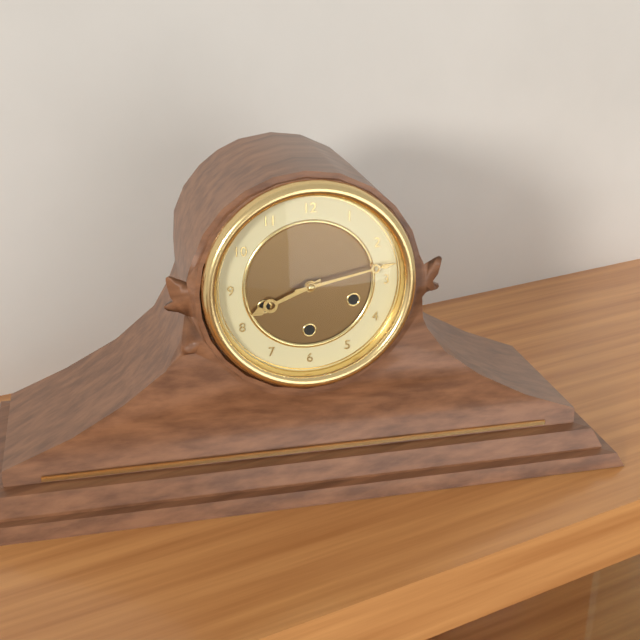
8:13
